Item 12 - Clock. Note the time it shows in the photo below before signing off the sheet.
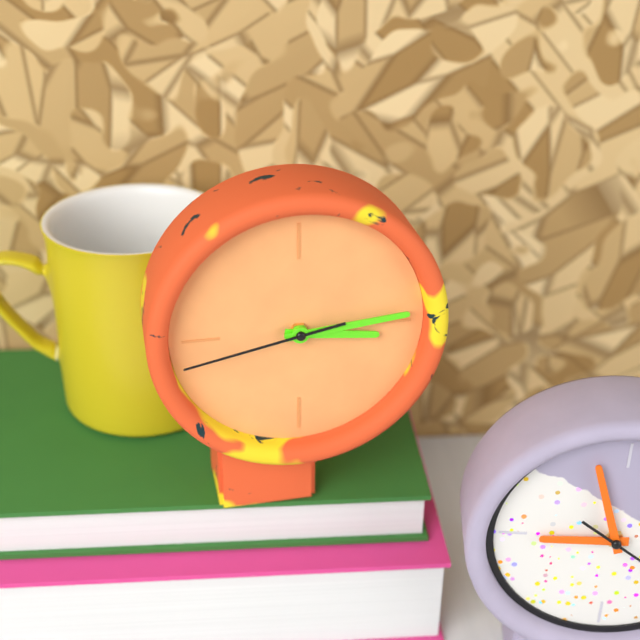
3:14:43
